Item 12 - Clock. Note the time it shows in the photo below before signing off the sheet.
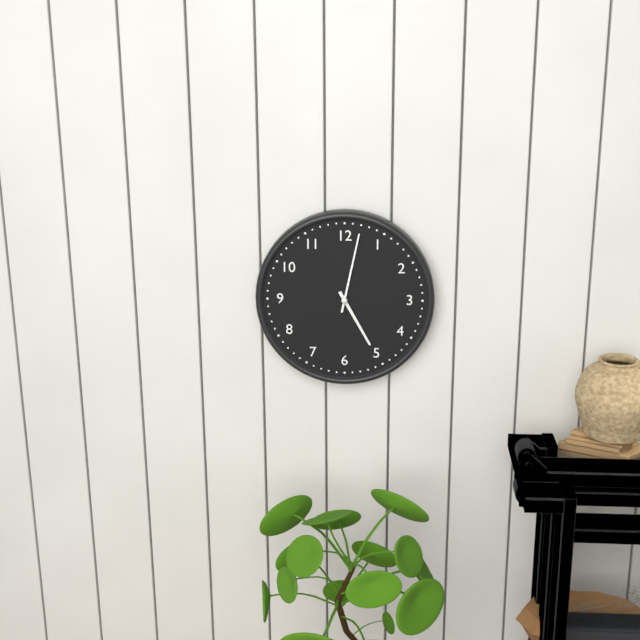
5:02
